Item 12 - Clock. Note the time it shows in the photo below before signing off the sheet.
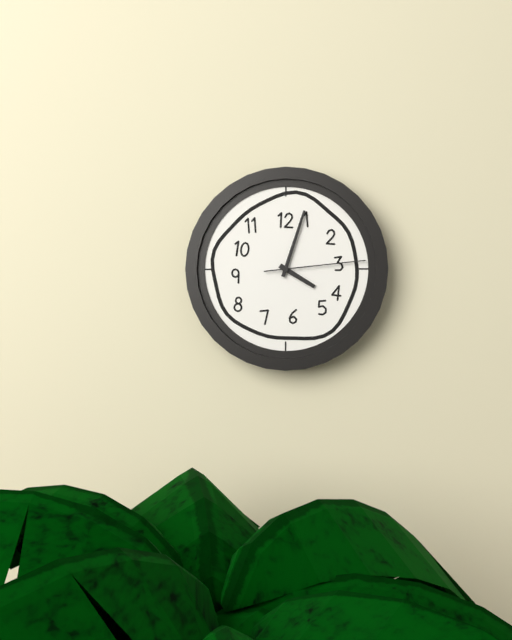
4:03:14
